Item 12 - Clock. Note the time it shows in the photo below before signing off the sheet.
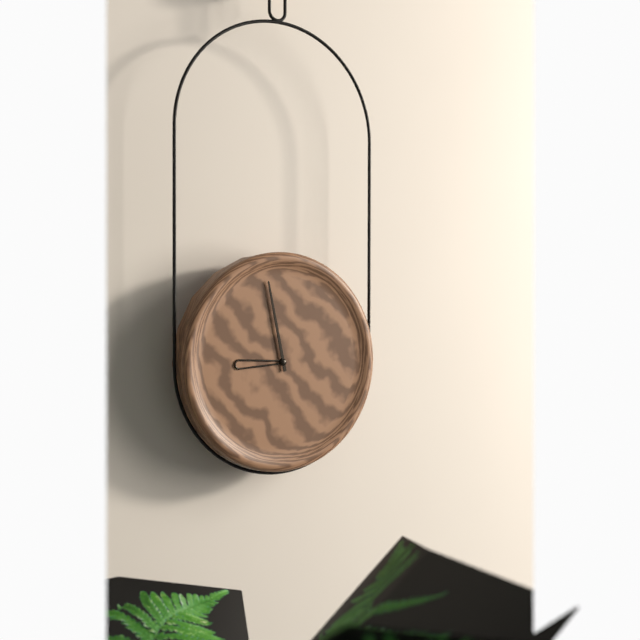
8:58
